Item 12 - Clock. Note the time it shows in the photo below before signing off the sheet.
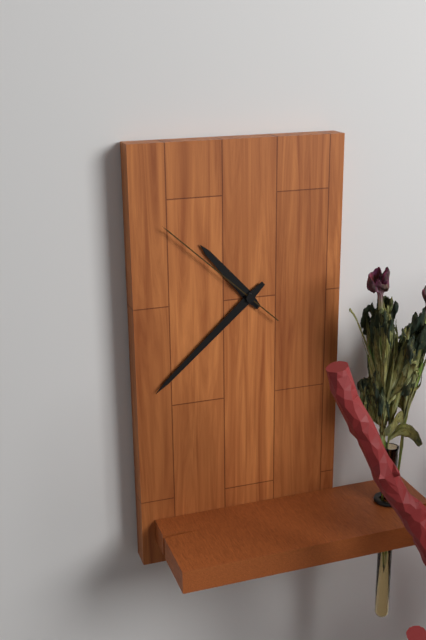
10:38:52
